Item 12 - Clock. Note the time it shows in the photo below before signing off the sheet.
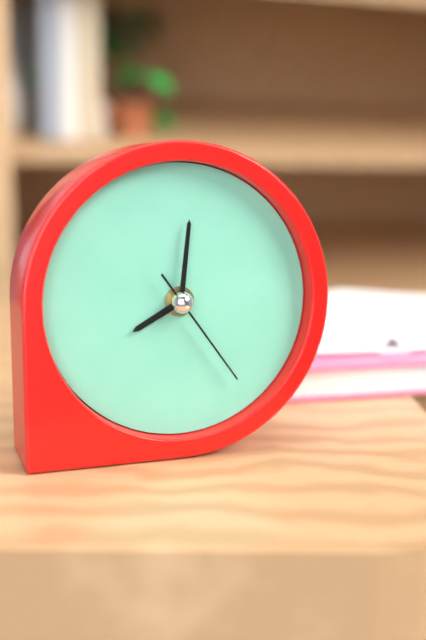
8:01:24
